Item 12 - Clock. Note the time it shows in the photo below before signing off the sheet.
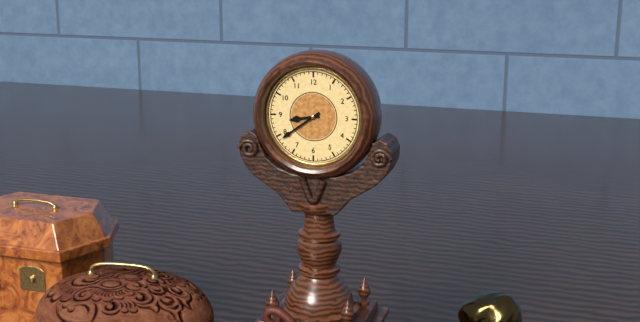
8:39
